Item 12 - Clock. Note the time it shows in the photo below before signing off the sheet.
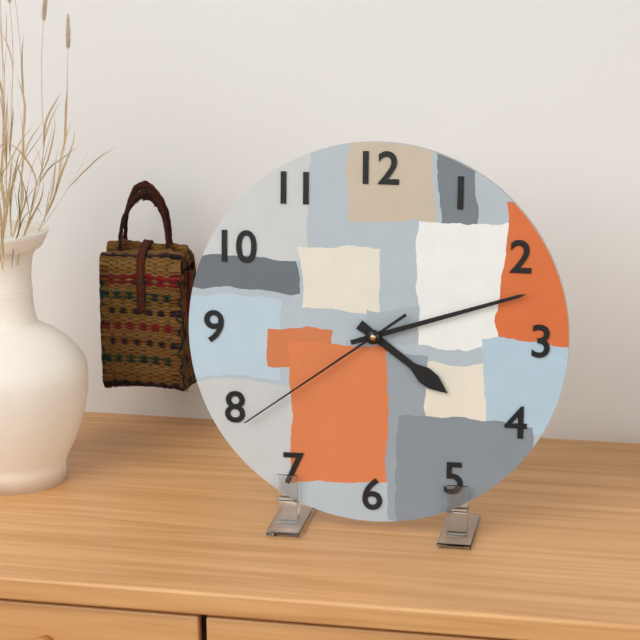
4:12:39
